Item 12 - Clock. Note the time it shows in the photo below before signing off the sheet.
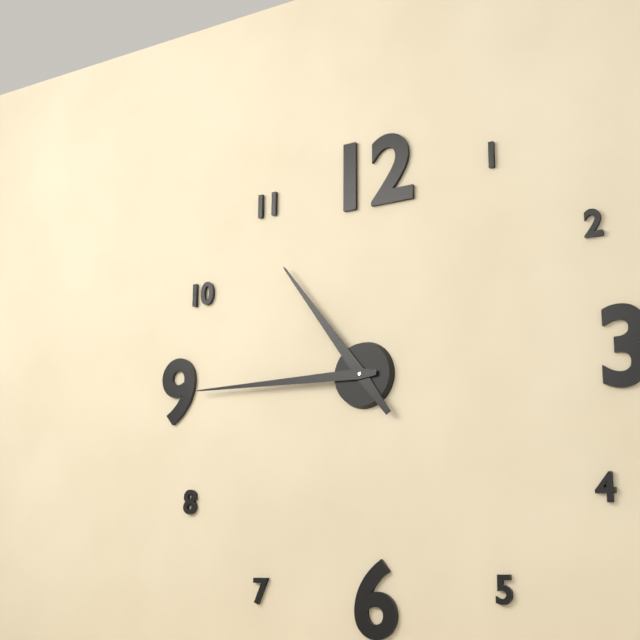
10:45
